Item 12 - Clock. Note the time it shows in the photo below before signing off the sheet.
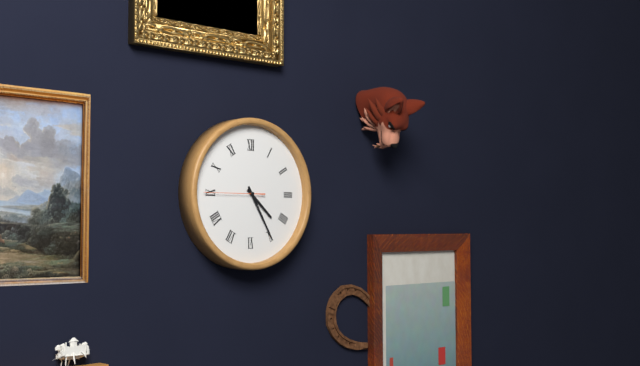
4:25
